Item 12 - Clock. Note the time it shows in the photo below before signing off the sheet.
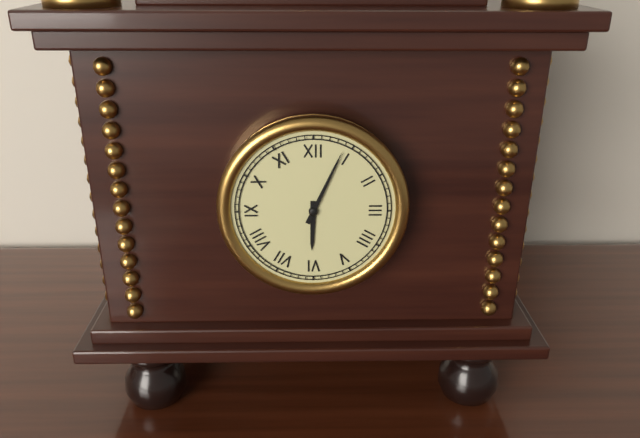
6:04
